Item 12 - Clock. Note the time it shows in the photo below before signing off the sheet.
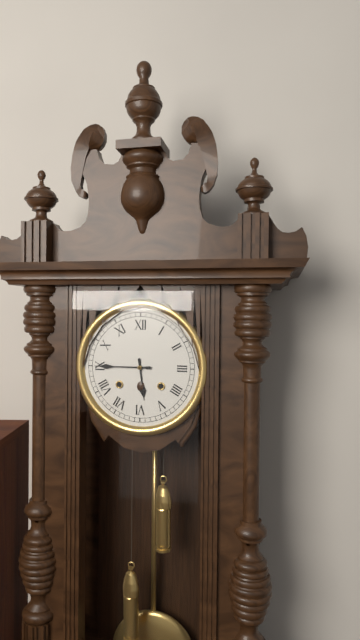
5:45
